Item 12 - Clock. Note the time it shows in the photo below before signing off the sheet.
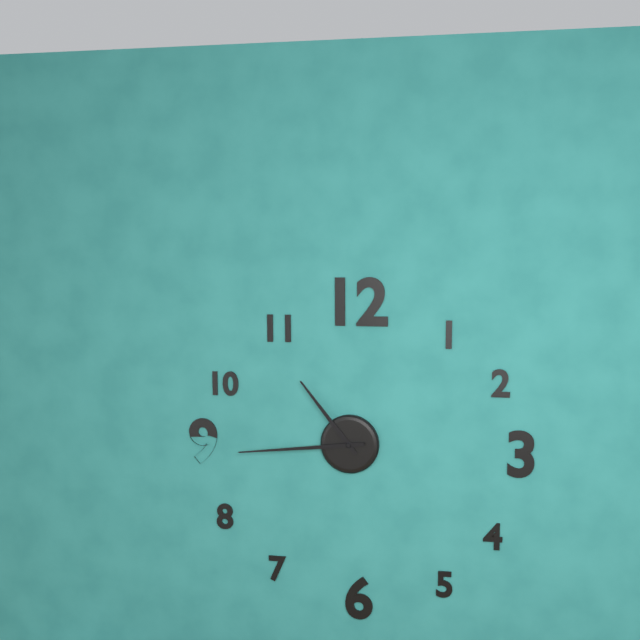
10:44
